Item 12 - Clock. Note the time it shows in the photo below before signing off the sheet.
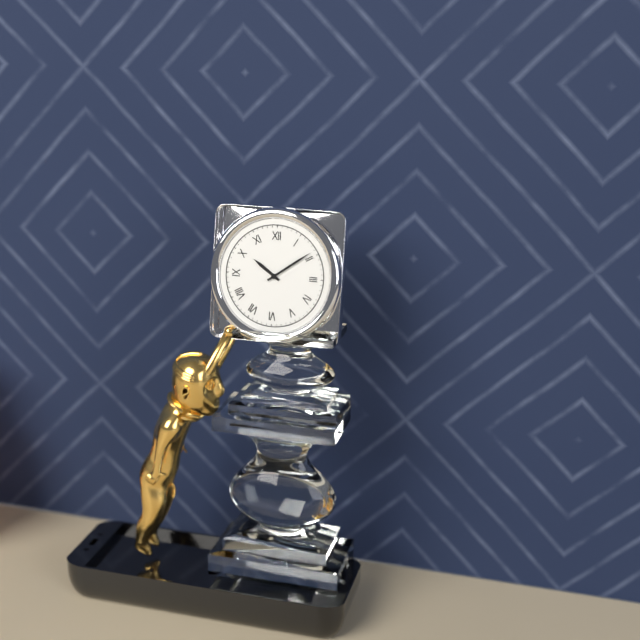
10:09
